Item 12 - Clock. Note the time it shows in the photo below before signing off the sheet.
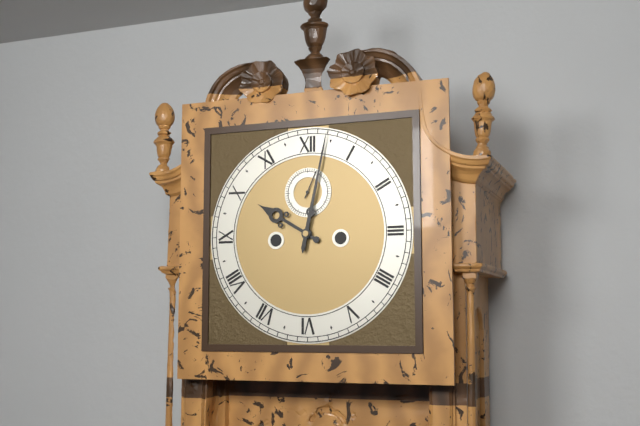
10:02
